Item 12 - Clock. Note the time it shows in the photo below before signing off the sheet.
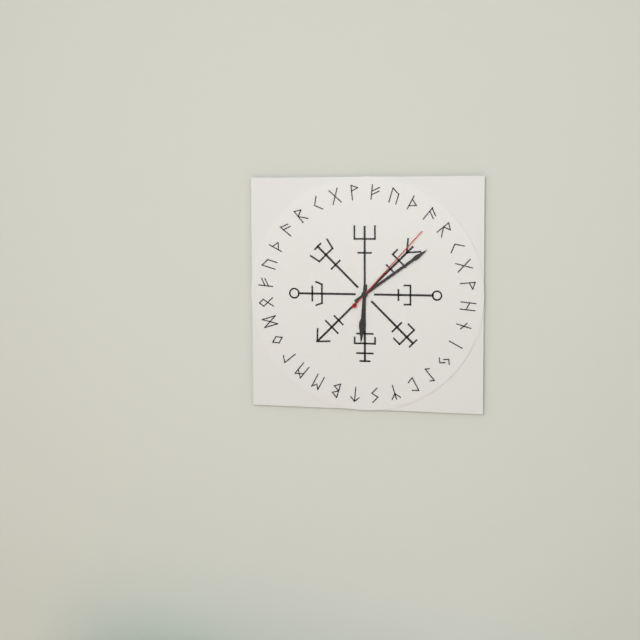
6:09:07
